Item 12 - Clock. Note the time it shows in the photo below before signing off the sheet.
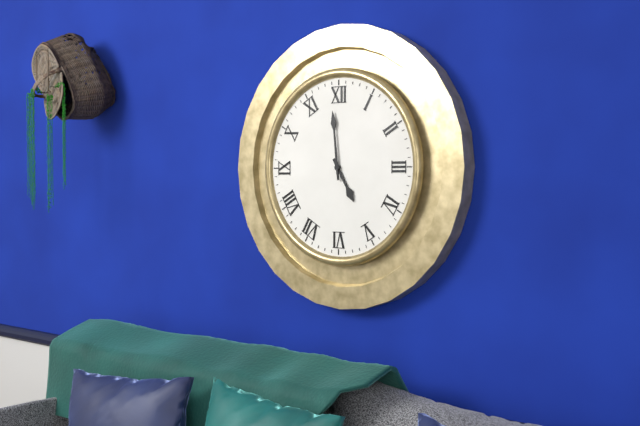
4:59
